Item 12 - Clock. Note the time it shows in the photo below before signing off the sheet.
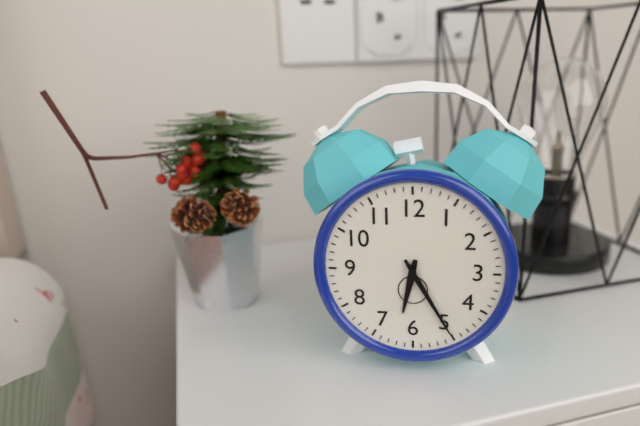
6:25
